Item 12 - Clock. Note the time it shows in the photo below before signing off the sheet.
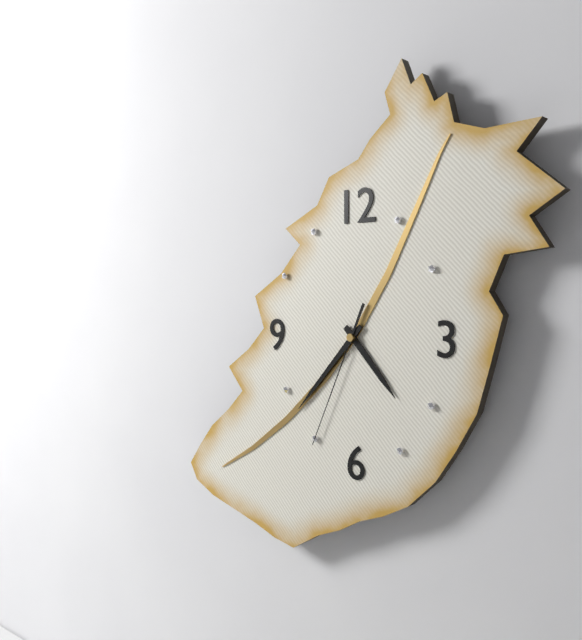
4:37:34
